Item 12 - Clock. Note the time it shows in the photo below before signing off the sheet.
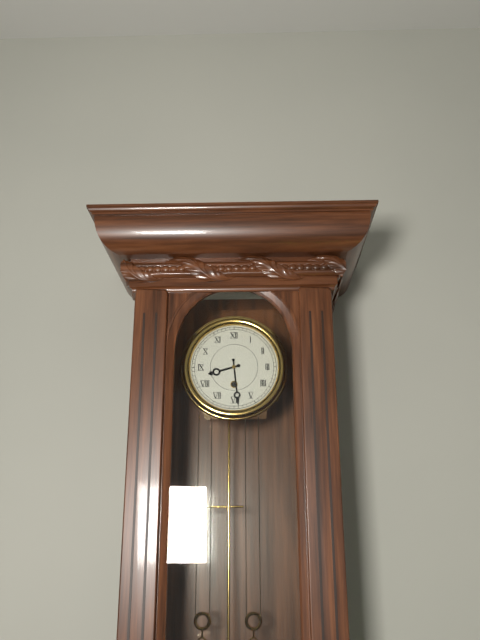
8:29
